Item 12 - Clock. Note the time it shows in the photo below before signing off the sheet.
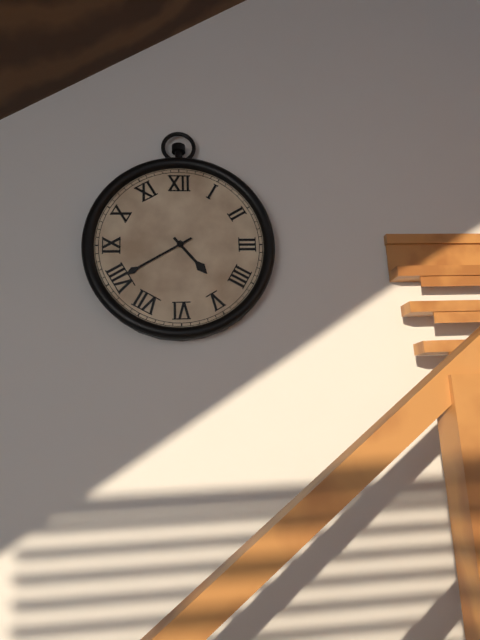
4:40
